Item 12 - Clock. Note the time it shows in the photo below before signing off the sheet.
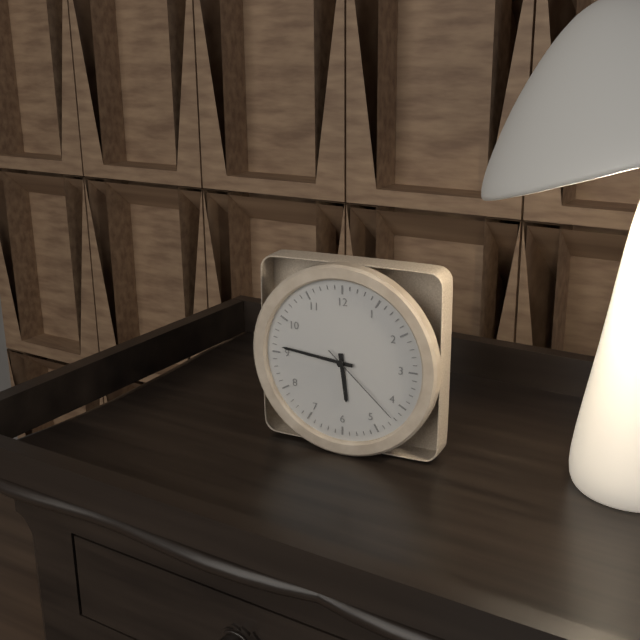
5:46:22
